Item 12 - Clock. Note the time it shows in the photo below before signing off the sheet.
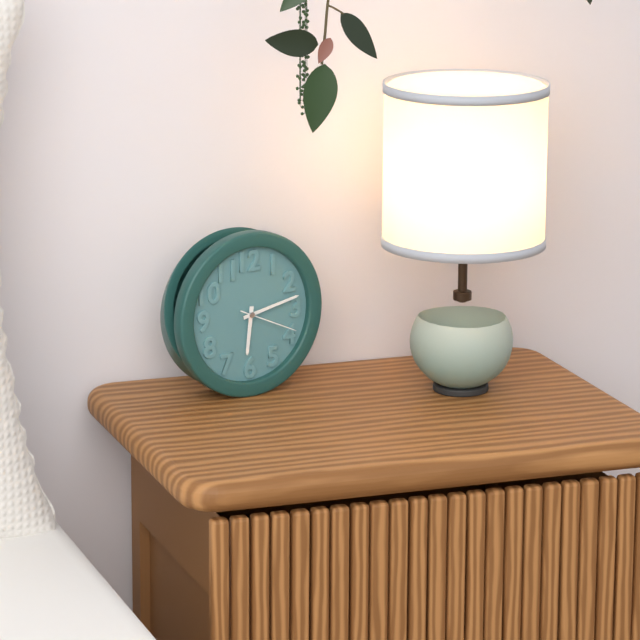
6:13:19
